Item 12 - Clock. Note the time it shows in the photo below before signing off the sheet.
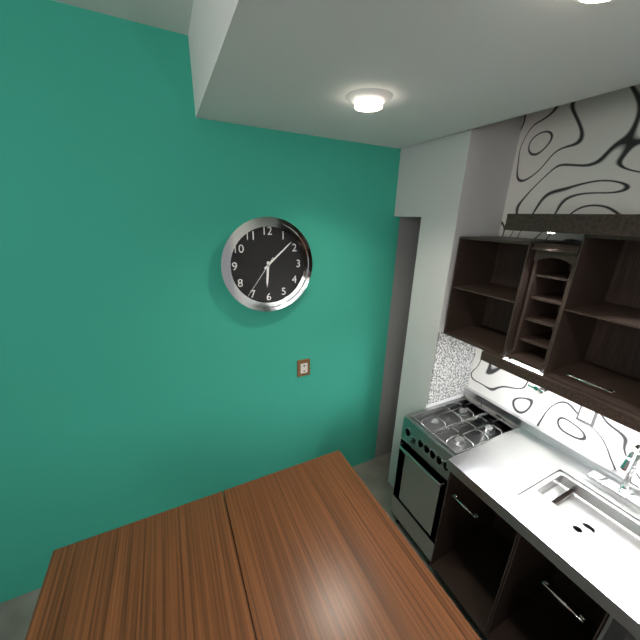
6:08
